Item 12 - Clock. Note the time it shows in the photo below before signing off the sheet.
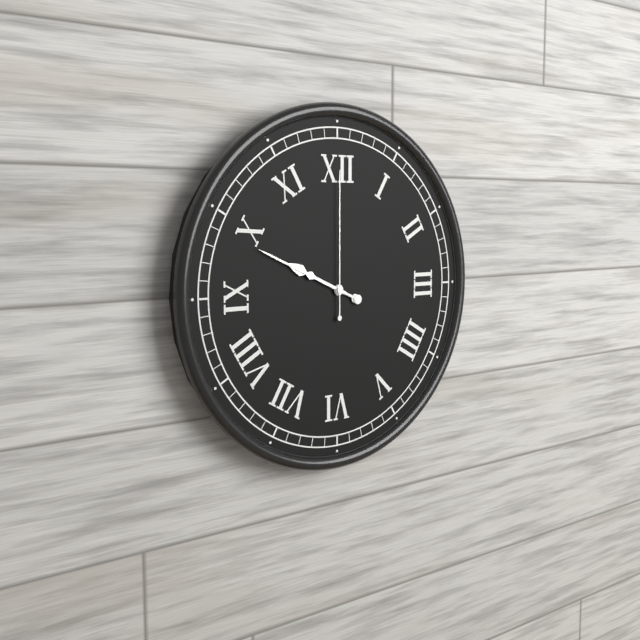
9:49:00
